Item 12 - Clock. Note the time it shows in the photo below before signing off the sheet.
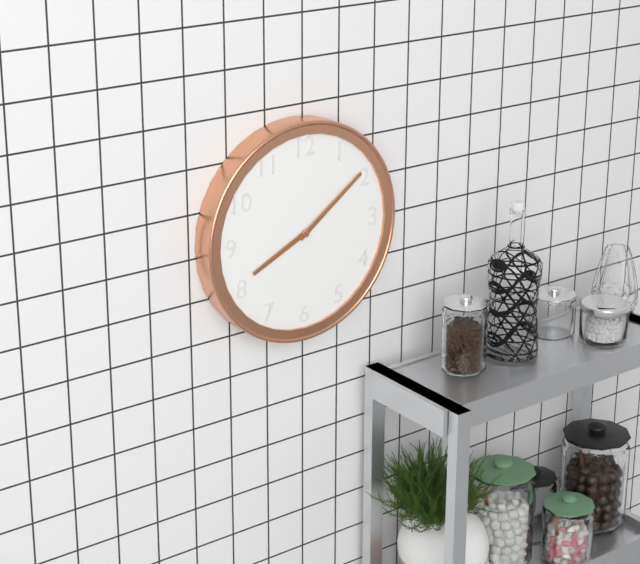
8:09
